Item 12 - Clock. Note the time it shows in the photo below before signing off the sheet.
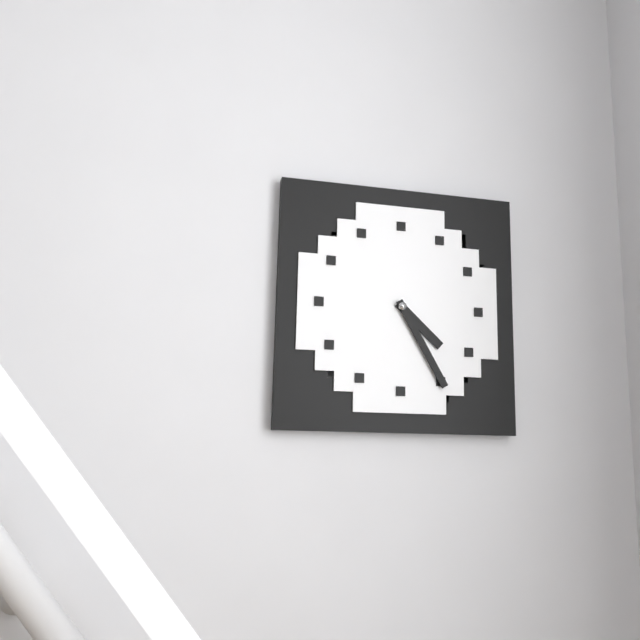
4:25
